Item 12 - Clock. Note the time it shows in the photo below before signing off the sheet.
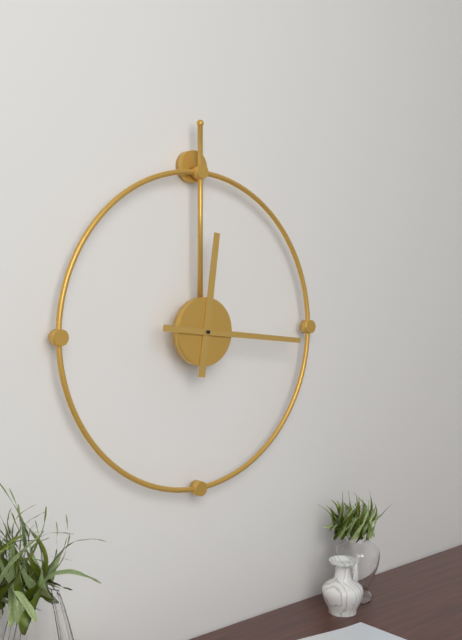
12:16
